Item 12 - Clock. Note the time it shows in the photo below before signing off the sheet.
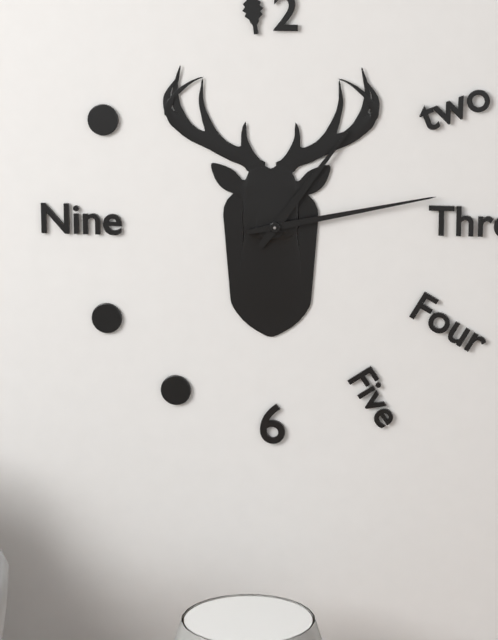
1:13
